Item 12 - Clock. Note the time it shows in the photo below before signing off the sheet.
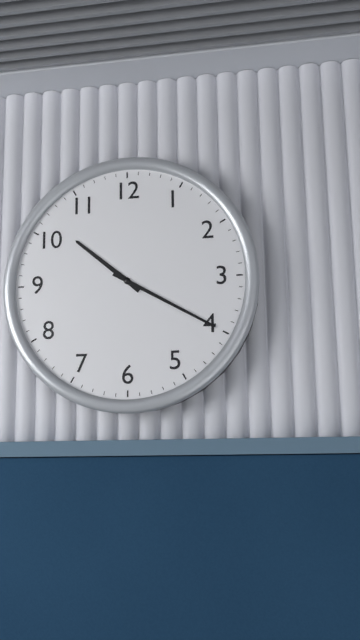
10:20
